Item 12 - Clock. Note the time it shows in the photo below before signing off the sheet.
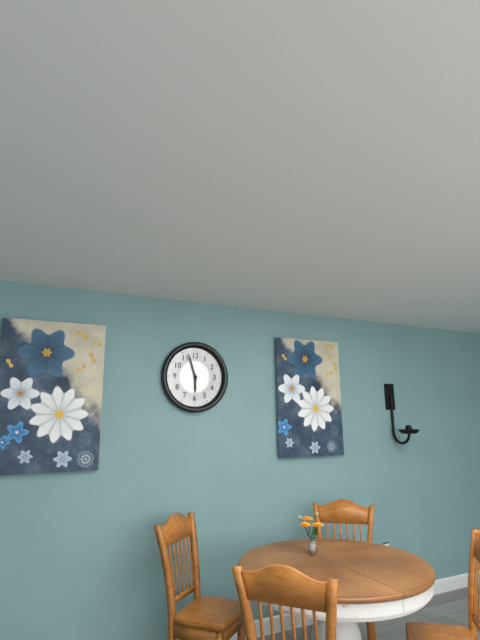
5:57
